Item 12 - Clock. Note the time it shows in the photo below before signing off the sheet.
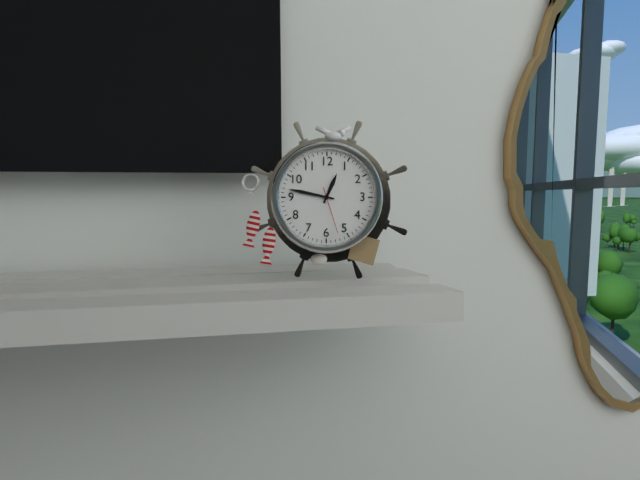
12:47
